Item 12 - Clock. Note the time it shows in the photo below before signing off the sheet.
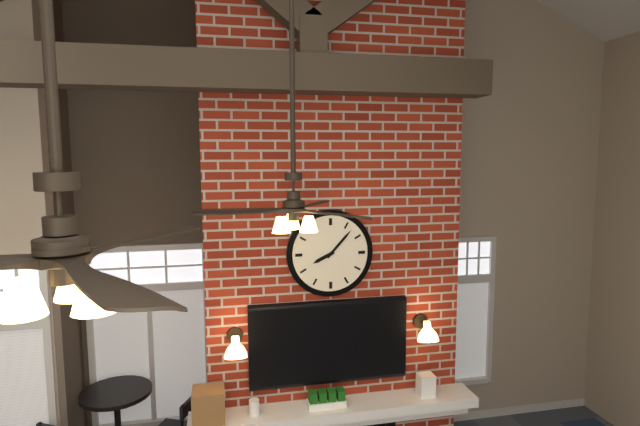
8:07
